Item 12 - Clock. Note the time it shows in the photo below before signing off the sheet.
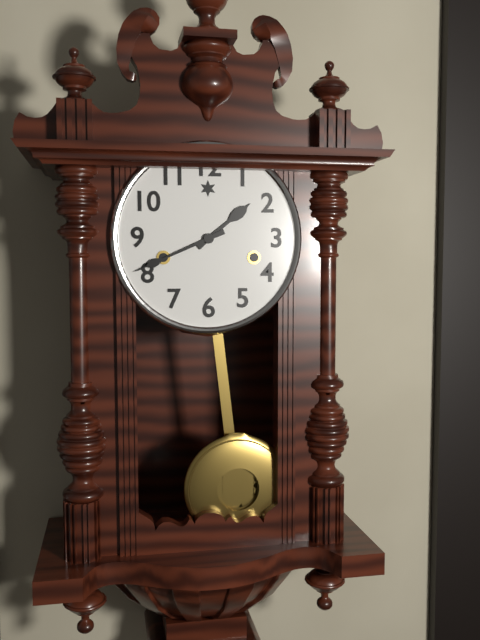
1:41
